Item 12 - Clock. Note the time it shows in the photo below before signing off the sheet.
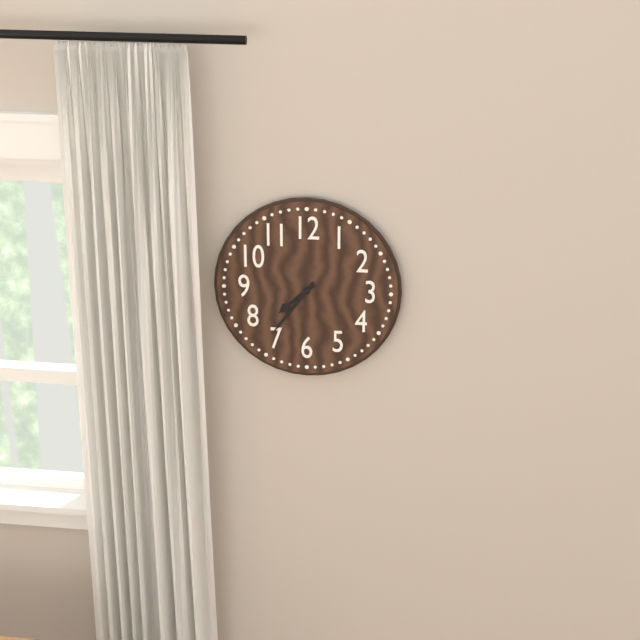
7:36
